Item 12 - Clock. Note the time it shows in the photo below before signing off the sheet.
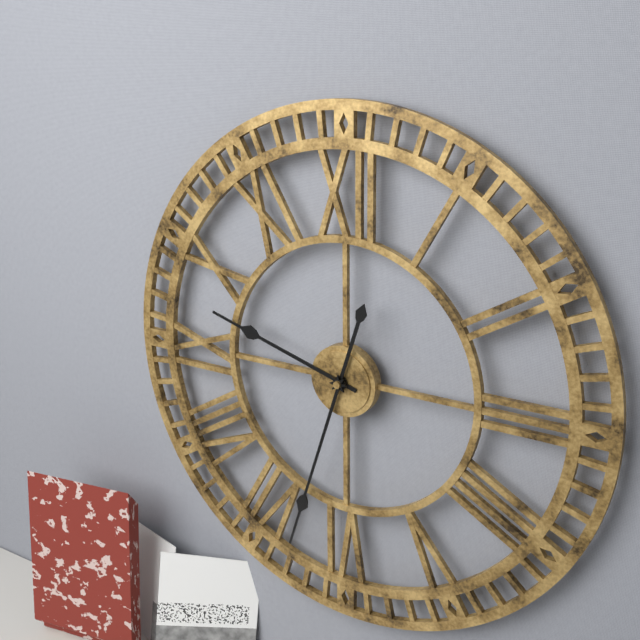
9:33
